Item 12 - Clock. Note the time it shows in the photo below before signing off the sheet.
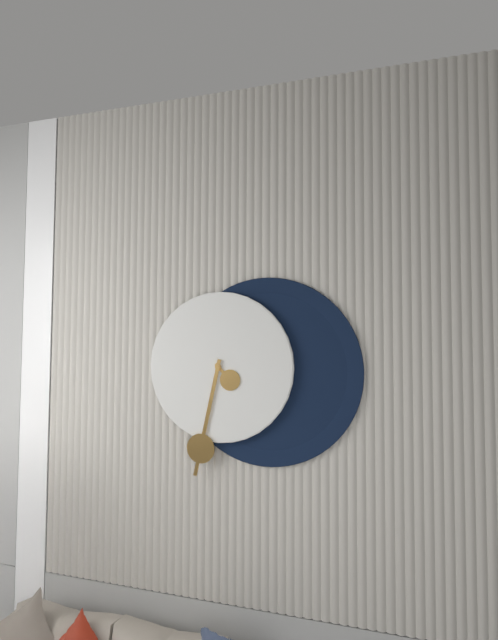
4:32
